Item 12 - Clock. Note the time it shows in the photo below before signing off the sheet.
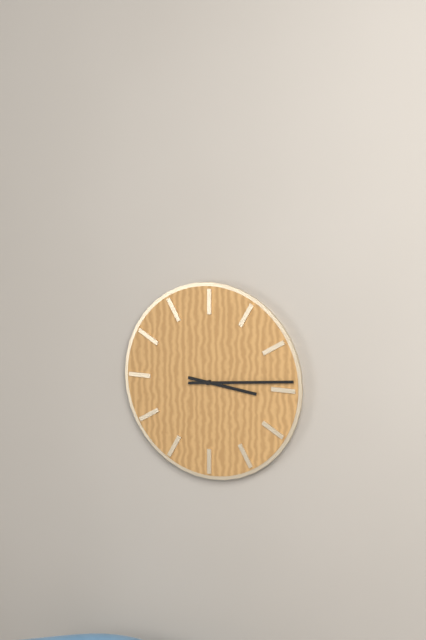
3:14
